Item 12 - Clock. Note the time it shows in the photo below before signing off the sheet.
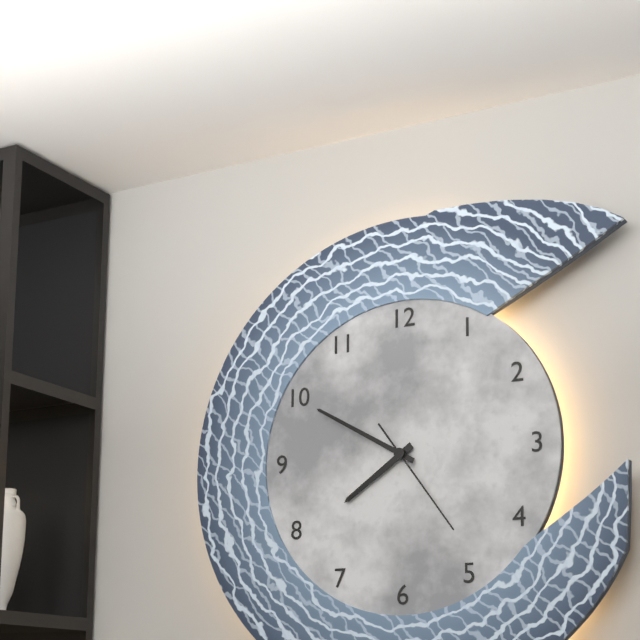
7:50:24
